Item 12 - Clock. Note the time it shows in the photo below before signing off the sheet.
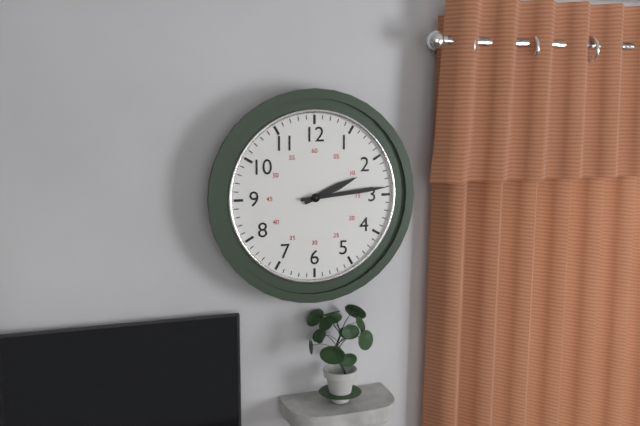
2:14
